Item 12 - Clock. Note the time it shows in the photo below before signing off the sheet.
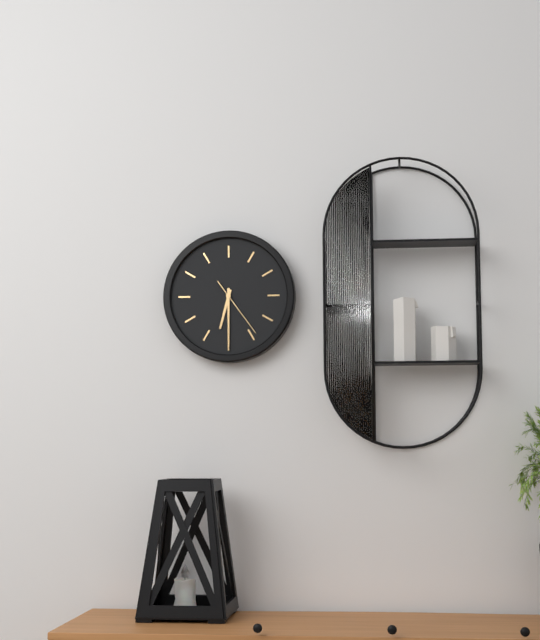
6:30:24
